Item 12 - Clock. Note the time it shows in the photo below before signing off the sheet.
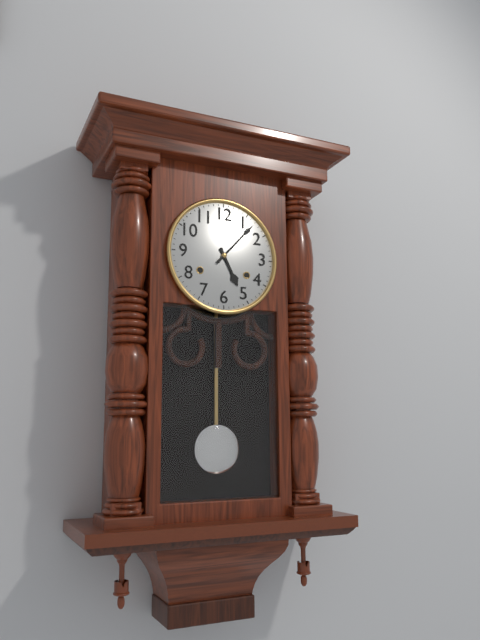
5:07
